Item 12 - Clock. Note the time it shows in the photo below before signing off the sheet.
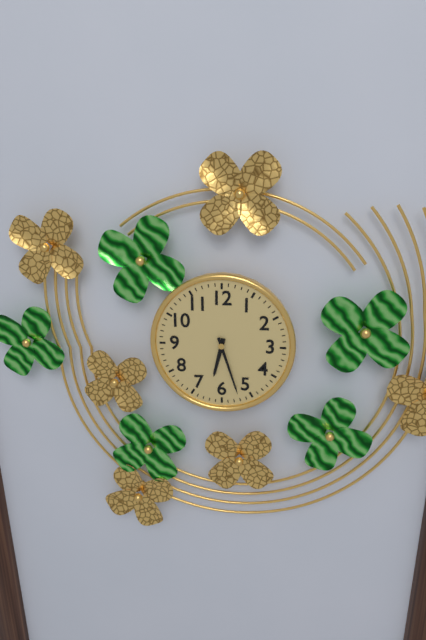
6:27
